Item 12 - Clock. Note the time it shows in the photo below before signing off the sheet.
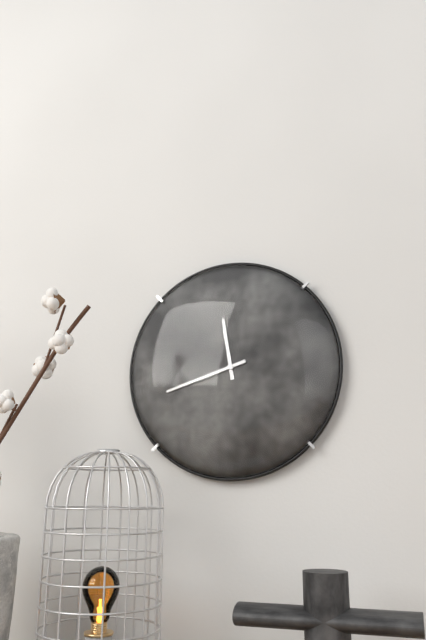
11:42
